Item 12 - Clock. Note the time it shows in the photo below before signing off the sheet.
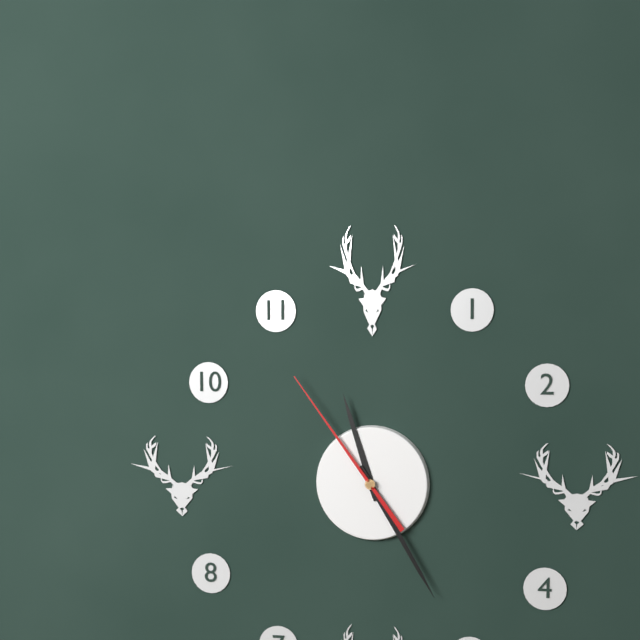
11:25:54
